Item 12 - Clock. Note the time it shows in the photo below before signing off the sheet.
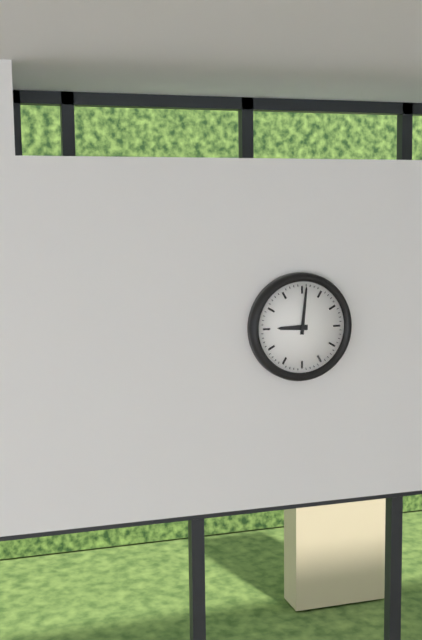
9:01
